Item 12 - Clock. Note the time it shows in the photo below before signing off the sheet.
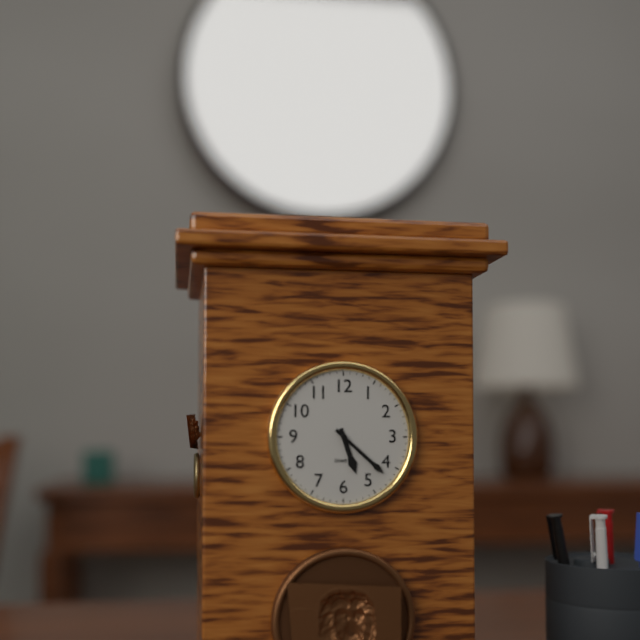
5:22
